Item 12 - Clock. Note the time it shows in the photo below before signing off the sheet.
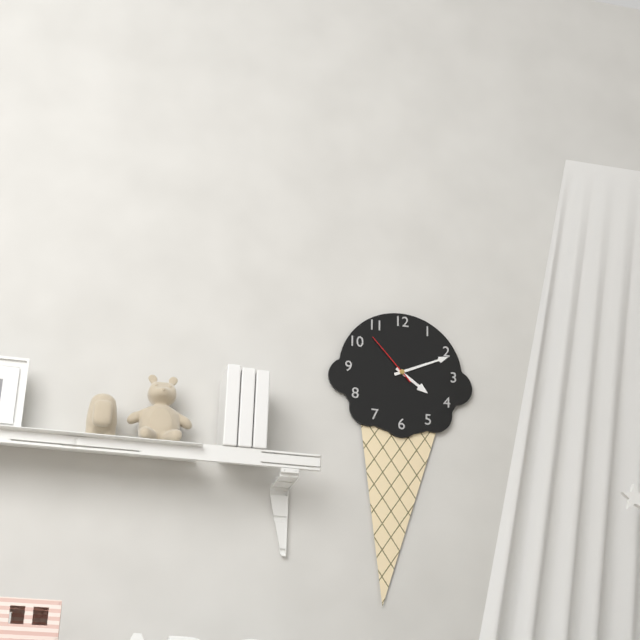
4:11:53
